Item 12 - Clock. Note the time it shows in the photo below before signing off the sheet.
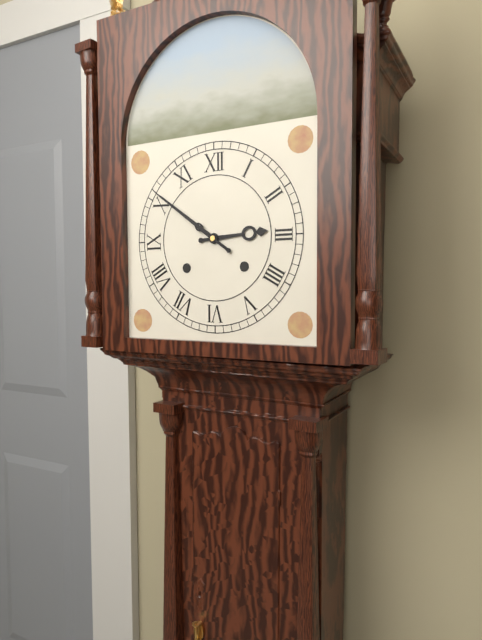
2:51
